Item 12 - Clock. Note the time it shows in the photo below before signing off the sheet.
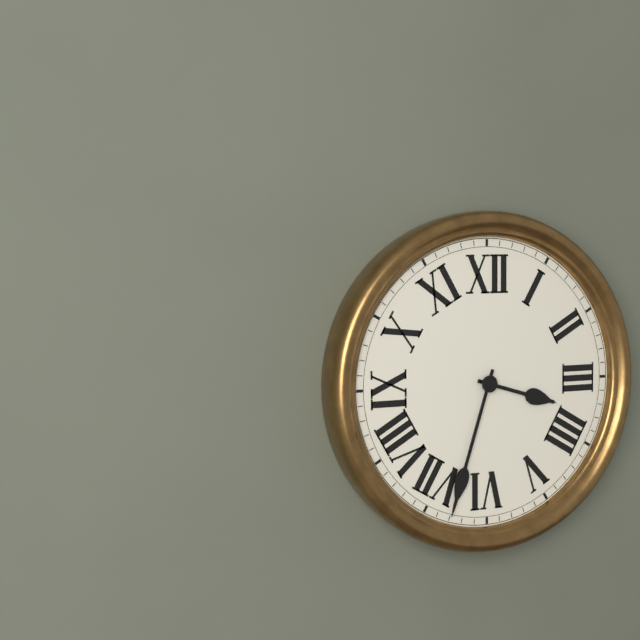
3:33
